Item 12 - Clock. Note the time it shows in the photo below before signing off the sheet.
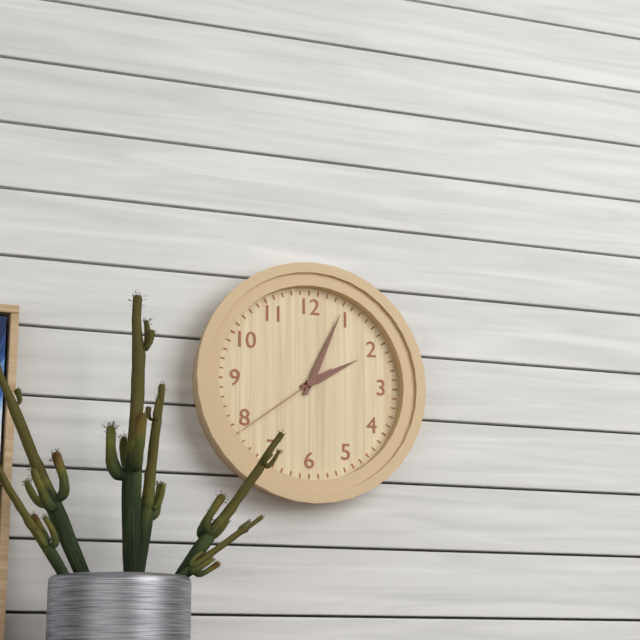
2:04:39
